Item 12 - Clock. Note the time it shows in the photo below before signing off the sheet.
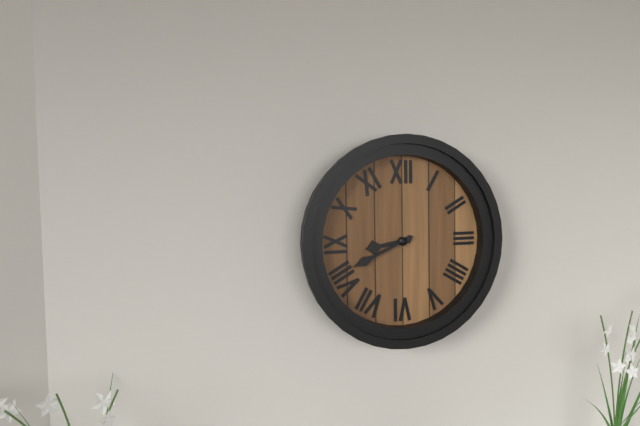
8:41
